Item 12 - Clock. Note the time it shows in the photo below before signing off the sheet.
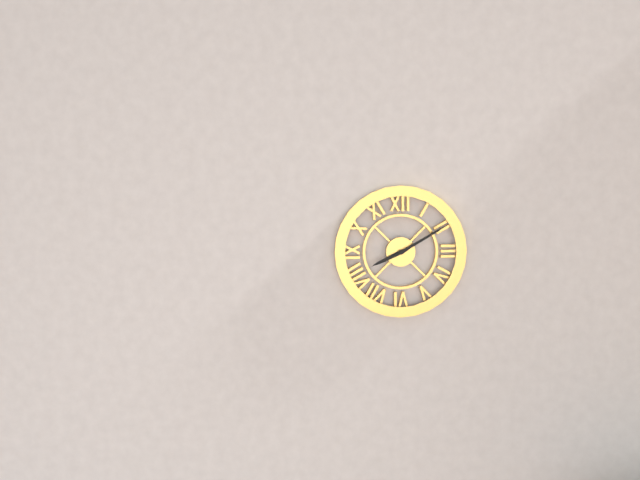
8:10
